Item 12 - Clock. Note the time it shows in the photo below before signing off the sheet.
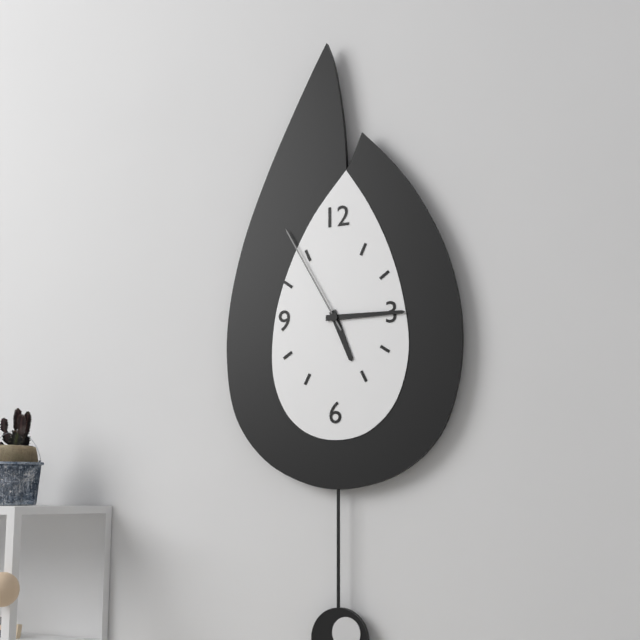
5:15:55
